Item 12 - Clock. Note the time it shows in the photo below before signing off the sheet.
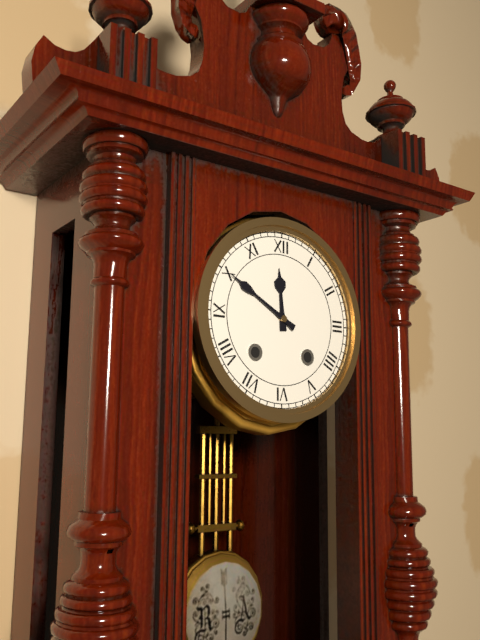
11:50
